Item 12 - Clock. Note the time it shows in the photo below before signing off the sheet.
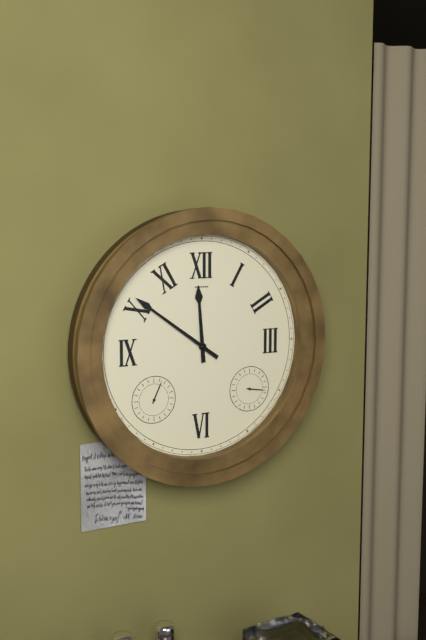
11:51
